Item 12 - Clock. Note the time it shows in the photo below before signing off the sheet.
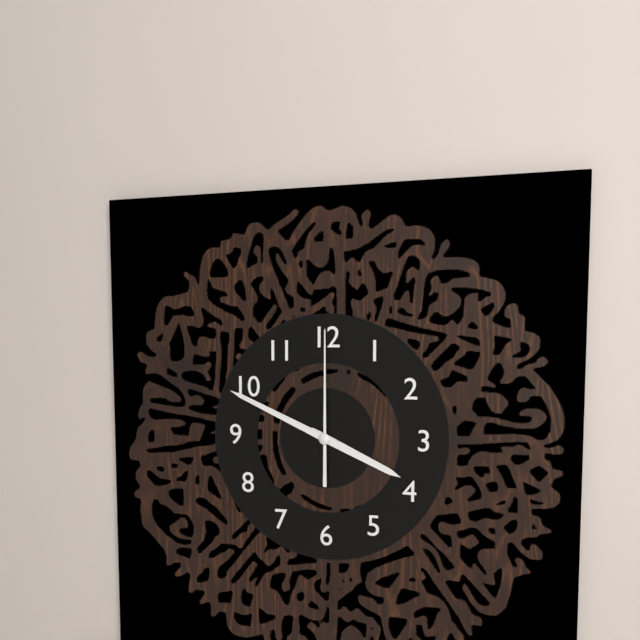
3:49:00
